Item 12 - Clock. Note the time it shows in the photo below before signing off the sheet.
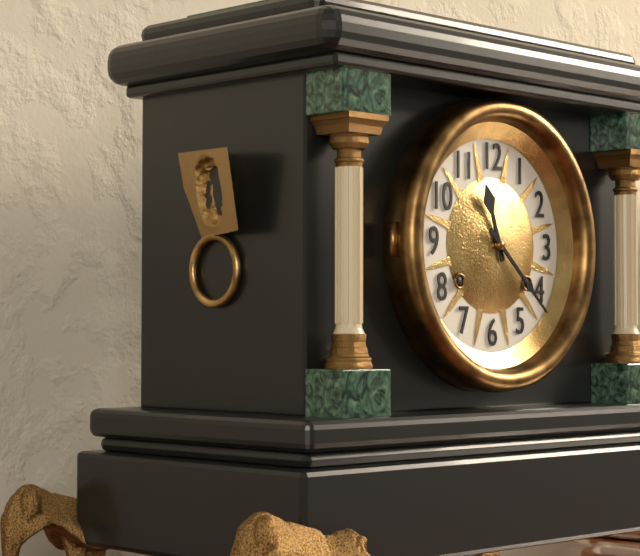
11:22
